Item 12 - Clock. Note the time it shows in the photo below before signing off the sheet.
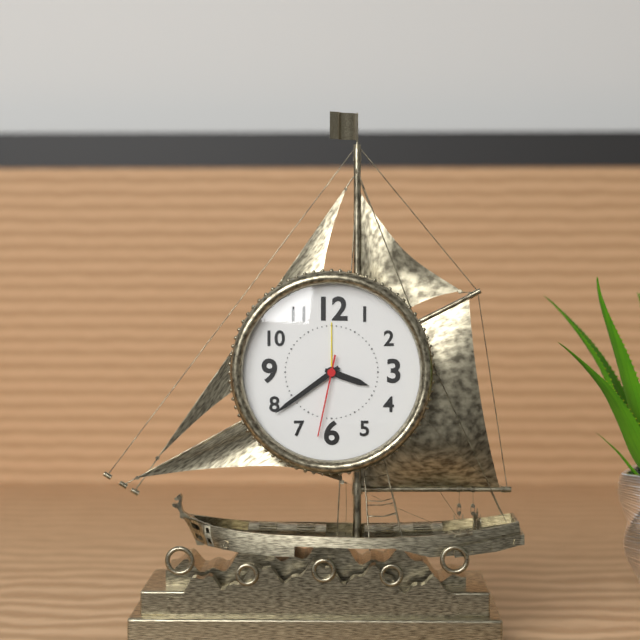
3:39:32
